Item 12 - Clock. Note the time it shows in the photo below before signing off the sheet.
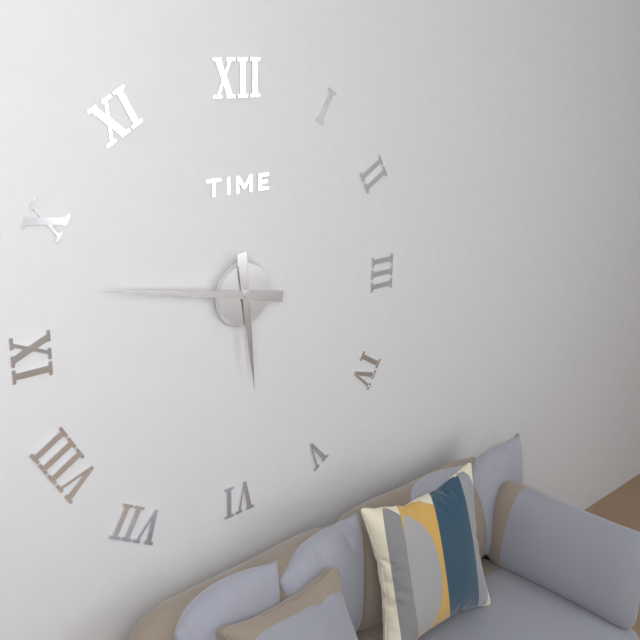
5:47
